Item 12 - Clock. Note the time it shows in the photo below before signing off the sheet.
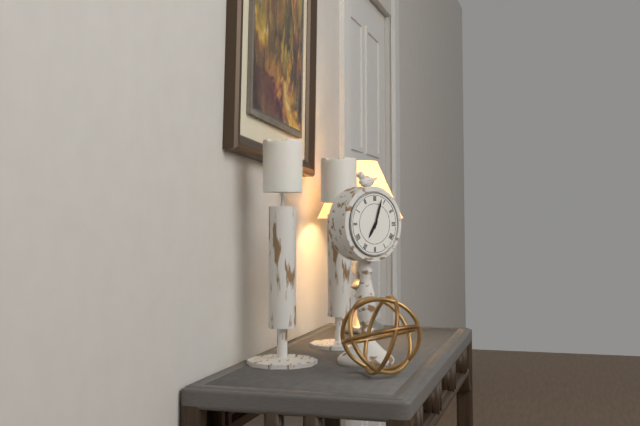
7:03
